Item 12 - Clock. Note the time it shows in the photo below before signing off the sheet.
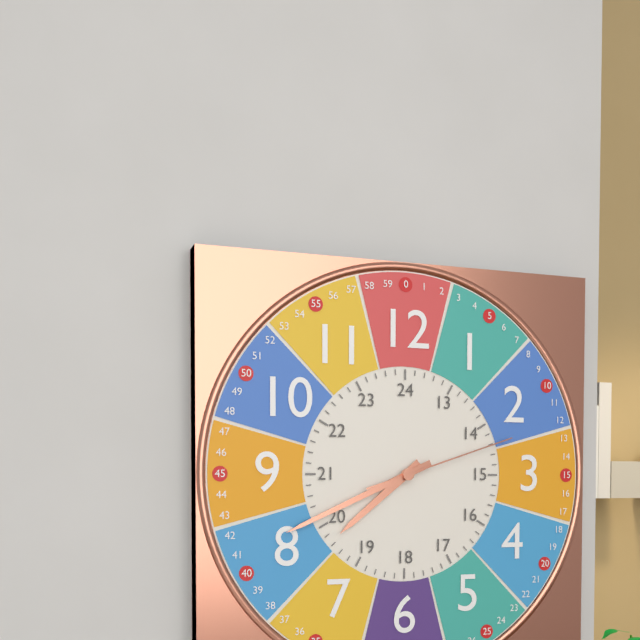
7:41:12
